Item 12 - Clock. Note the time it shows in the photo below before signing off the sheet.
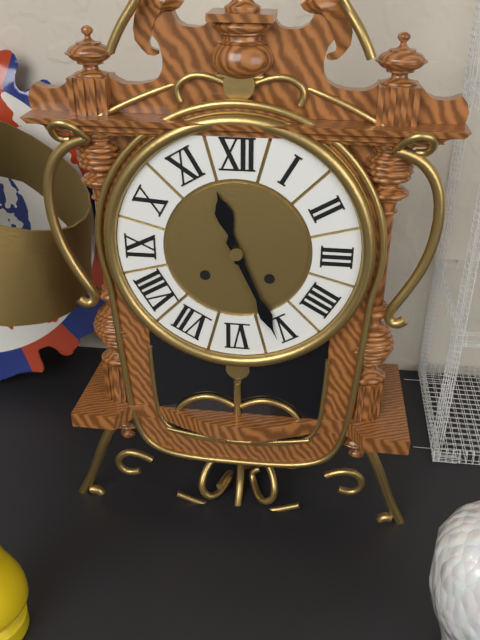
11:26
